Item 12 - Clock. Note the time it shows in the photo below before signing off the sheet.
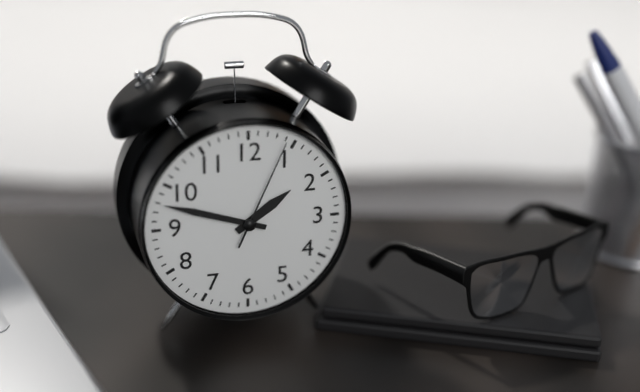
1:48:04
